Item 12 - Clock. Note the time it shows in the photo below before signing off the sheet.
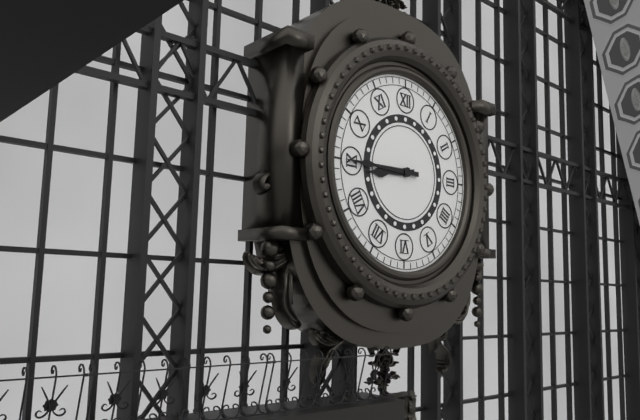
8:45
